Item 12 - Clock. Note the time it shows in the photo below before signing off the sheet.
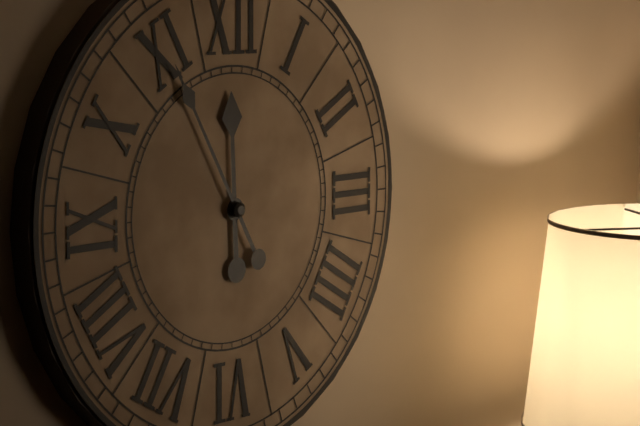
11:55
